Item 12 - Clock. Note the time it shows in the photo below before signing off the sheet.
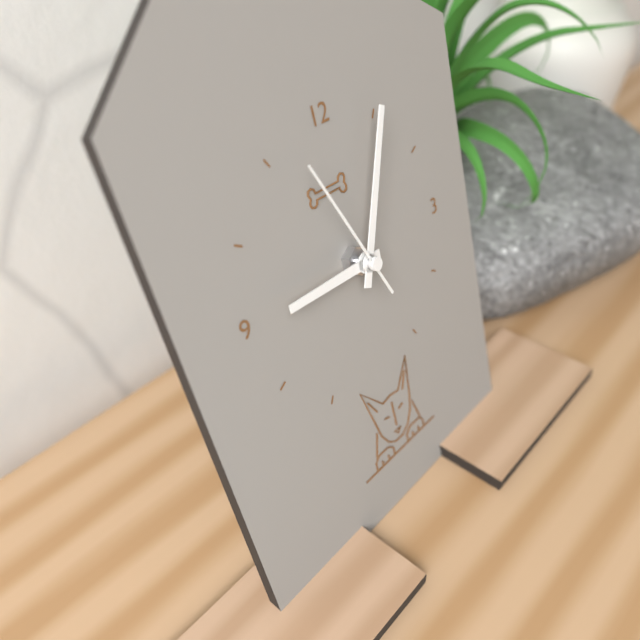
9:04:56
